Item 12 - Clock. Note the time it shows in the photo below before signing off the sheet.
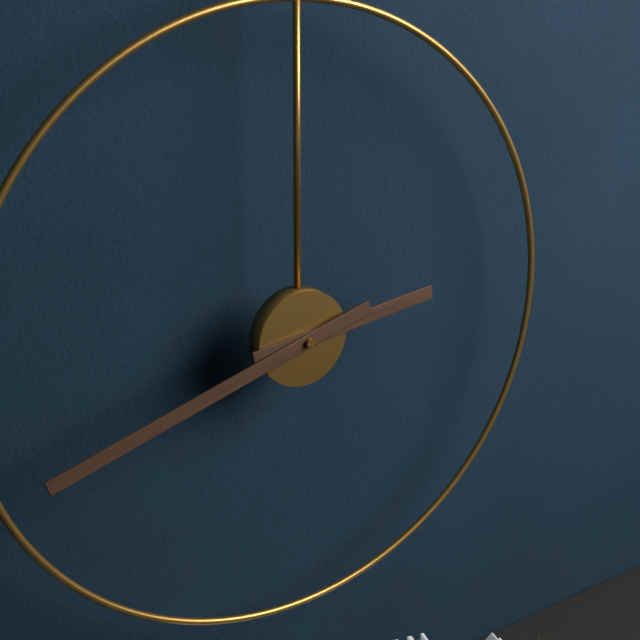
2:42
